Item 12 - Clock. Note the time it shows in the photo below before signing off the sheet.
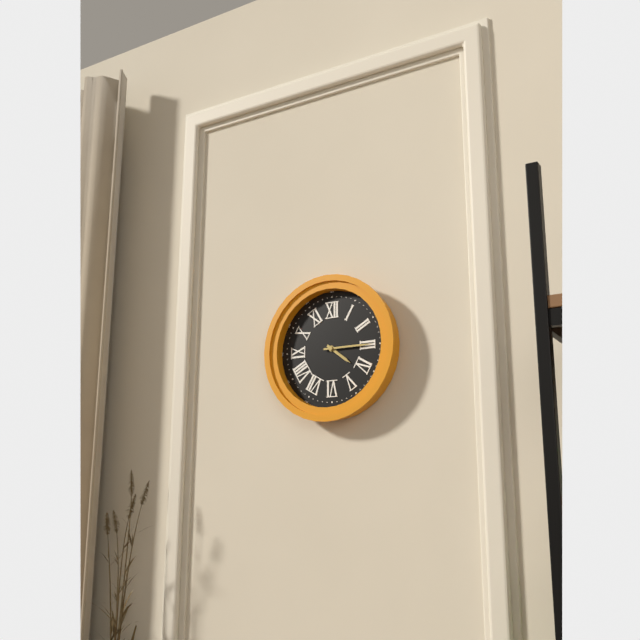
4:15
